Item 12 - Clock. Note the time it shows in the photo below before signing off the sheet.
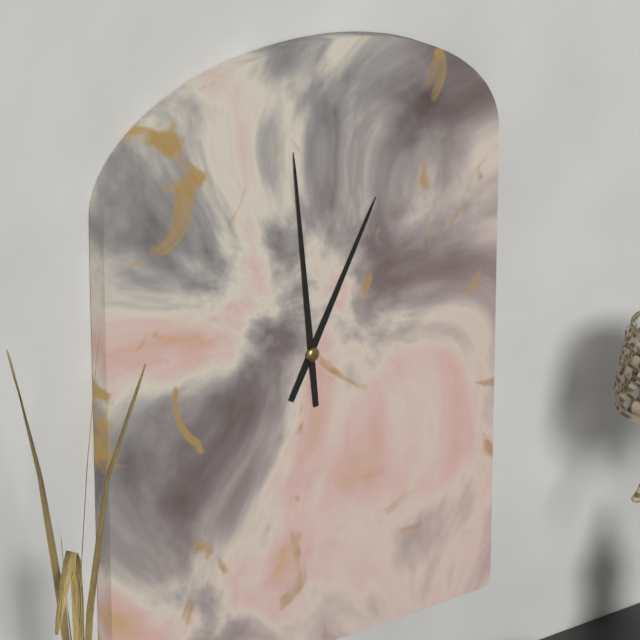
12:59
